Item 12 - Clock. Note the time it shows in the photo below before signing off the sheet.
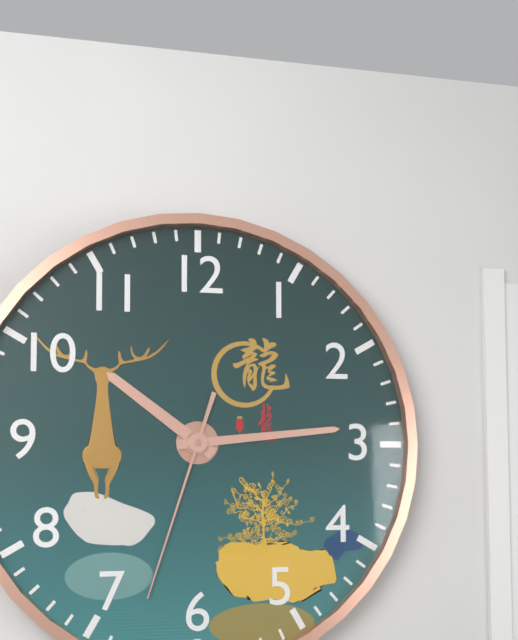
10:14:33
